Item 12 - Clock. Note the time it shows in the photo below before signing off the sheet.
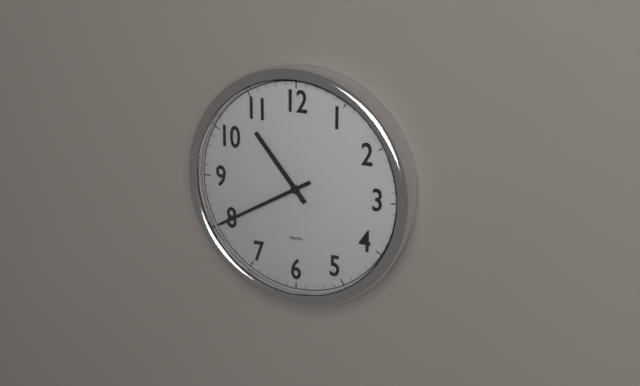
10:40
